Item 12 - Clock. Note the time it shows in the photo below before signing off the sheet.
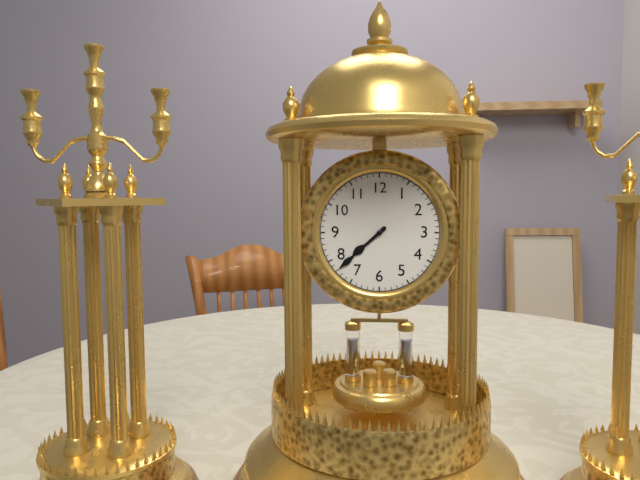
7:38
